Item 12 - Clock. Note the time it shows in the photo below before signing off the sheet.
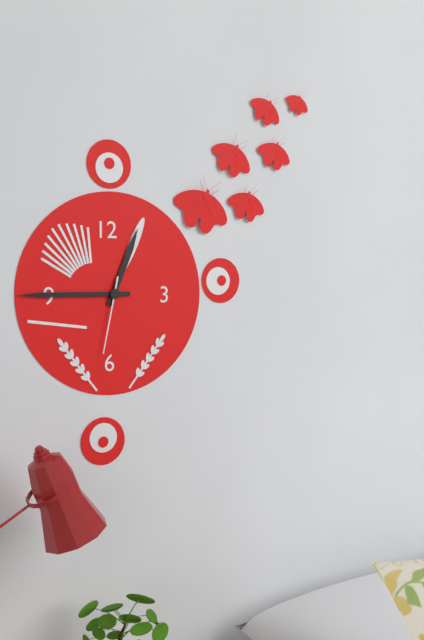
12:45:32
